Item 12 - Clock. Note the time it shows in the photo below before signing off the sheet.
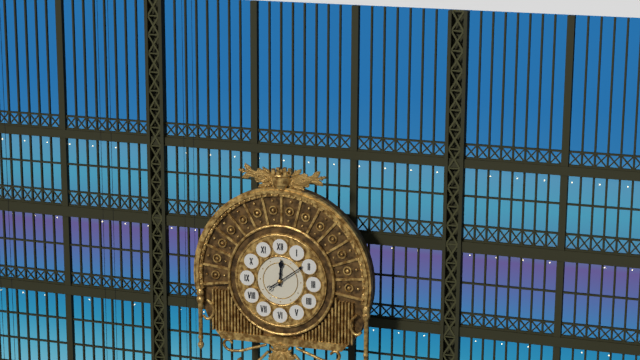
12:09
